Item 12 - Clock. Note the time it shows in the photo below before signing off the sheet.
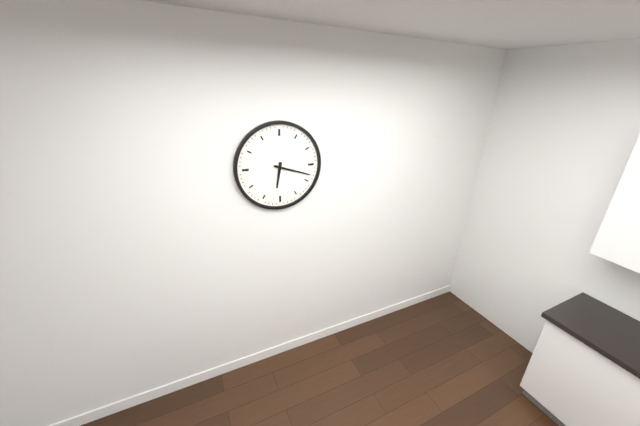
6:18
